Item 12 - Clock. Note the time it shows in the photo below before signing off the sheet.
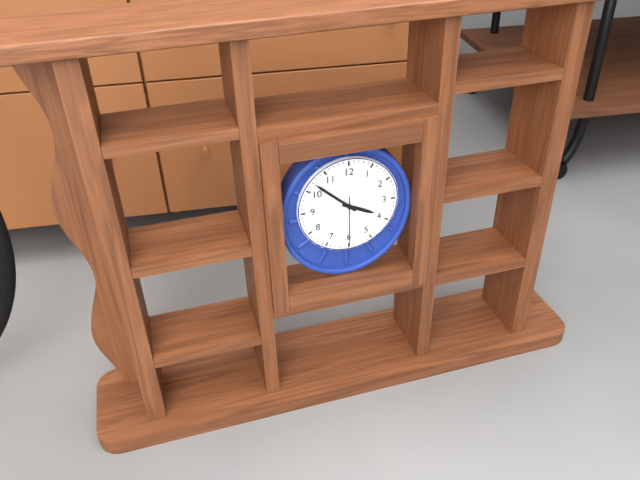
3:52
